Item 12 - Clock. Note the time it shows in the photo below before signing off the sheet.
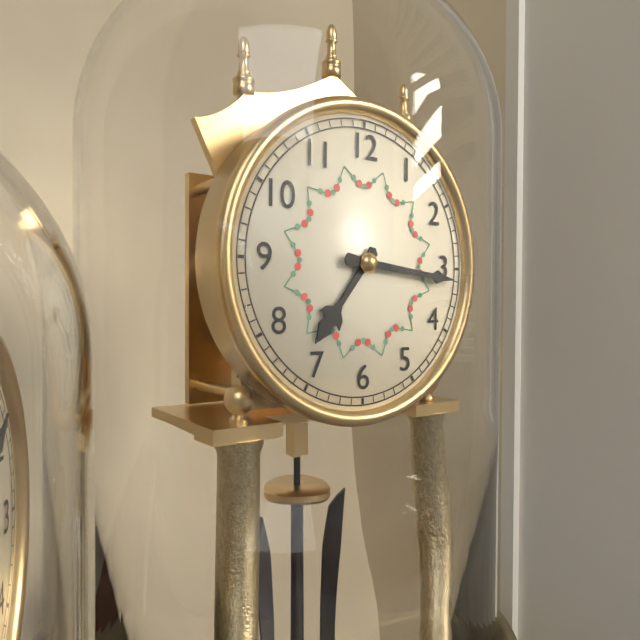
7:16
